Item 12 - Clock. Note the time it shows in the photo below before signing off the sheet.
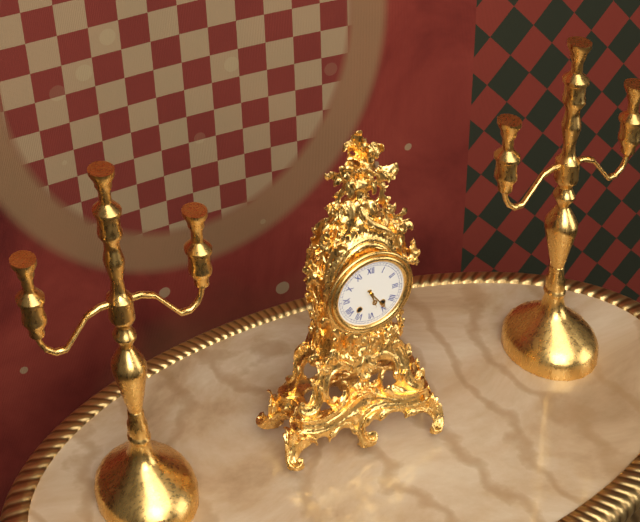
5:24
